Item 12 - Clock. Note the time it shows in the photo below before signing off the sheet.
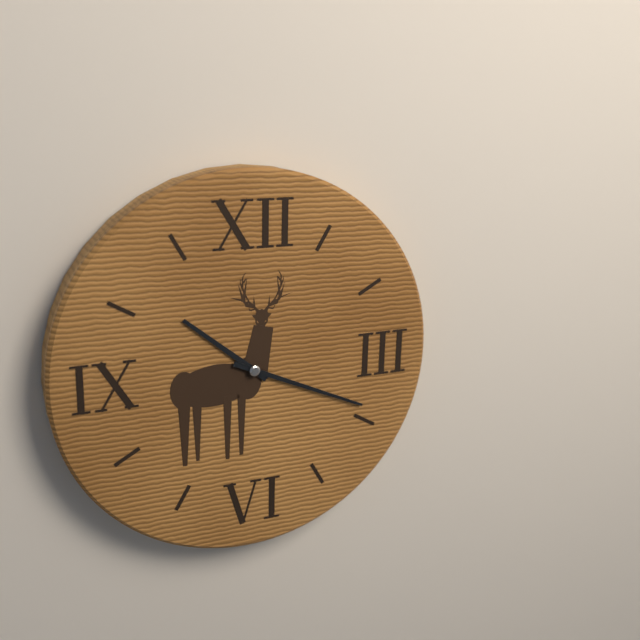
10:19
